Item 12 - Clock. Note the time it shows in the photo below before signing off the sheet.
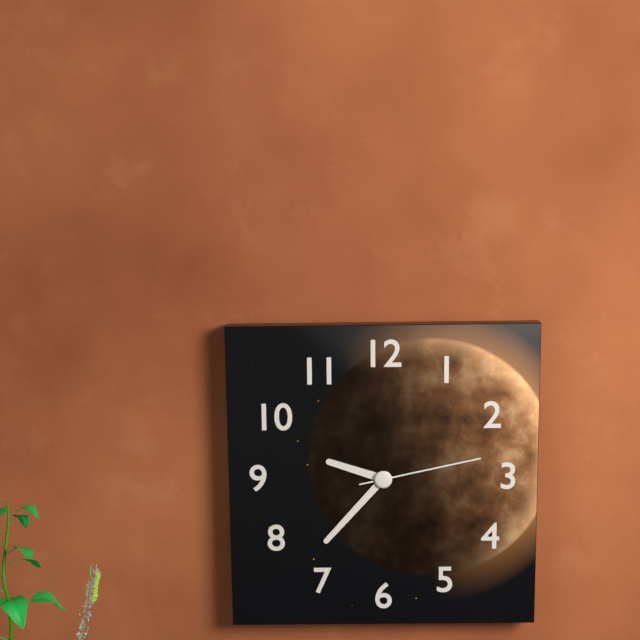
9:37:13
